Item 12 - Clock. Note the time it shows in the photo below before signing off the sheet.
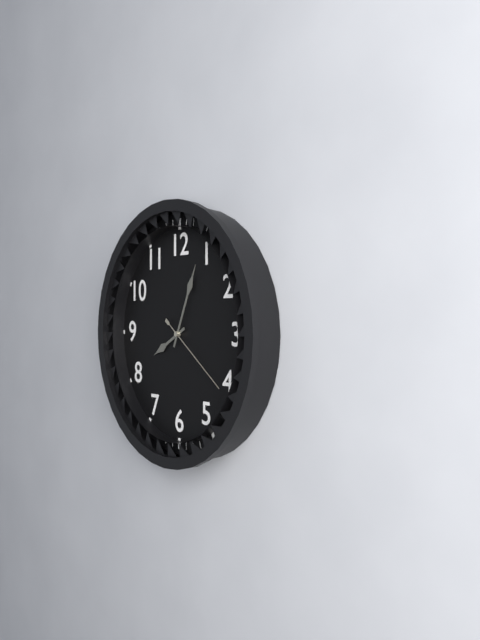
8:04:21
